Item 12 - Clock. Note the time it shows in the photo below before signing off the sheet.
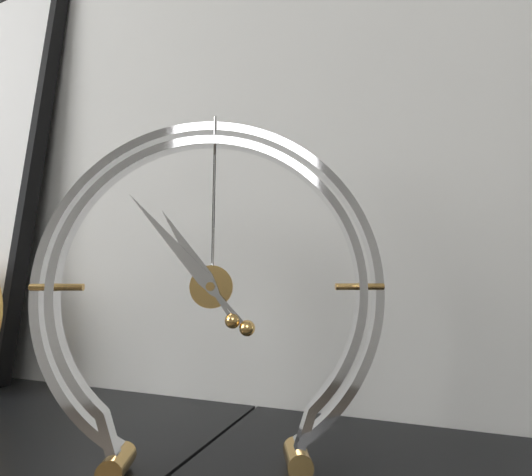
10:53
